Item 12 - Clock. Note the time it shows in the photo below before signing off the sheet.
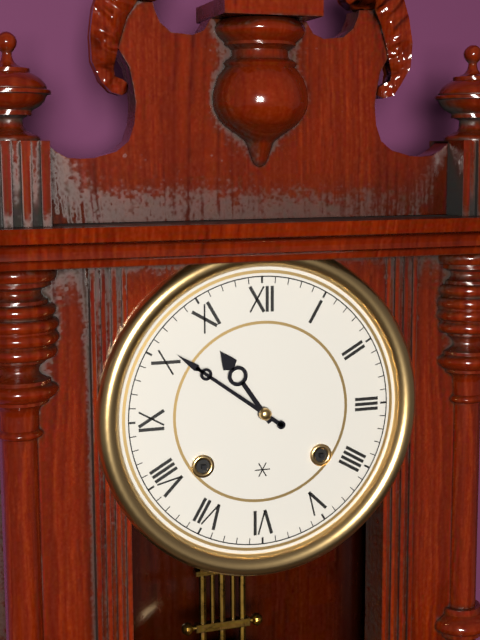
10:51
